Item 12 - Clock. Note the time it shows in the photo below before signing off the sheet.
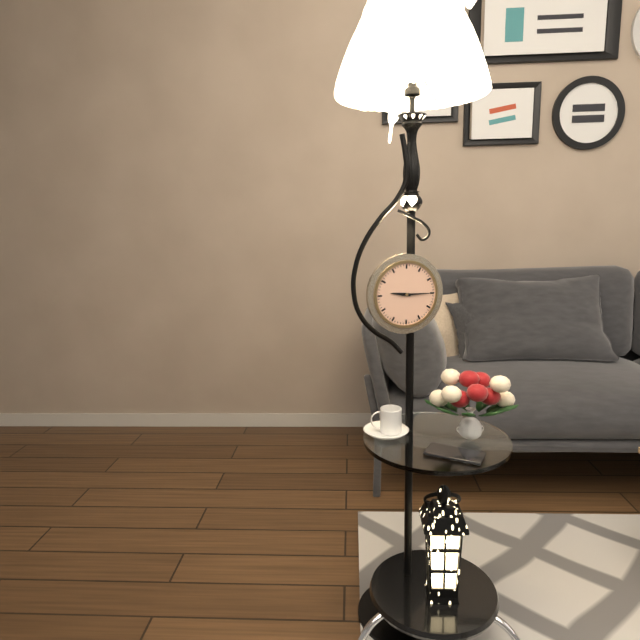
9:15
